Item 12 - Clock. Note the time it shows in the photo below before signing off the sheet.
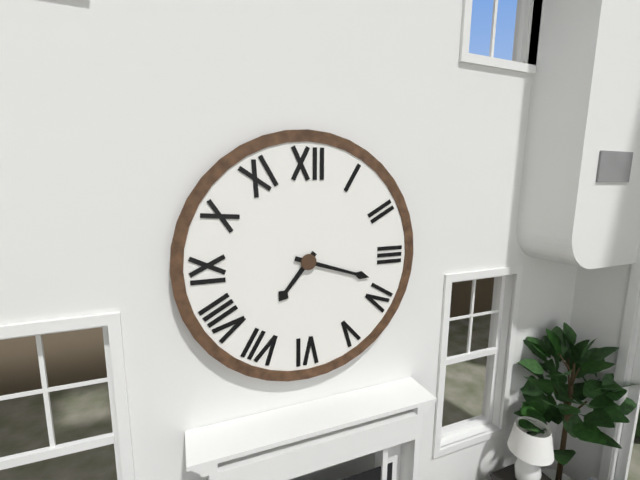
7:18
